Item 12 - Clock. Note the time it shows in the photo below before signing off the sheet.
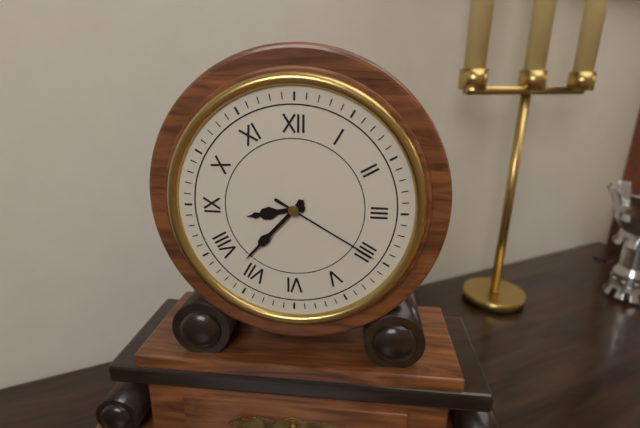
8:37:20
